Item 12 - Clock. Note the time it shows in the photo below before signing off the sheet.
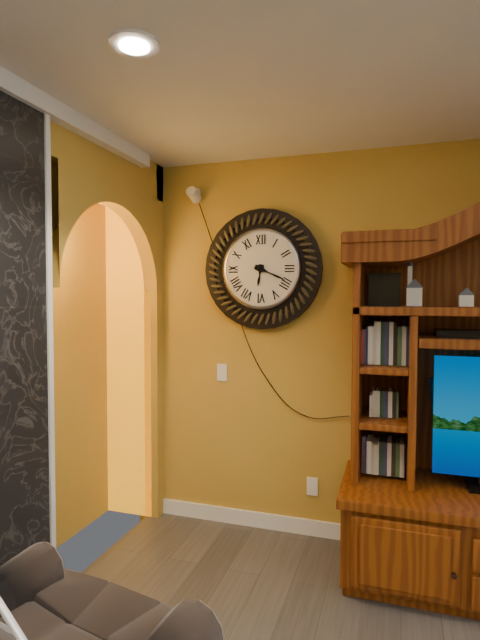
6:19
